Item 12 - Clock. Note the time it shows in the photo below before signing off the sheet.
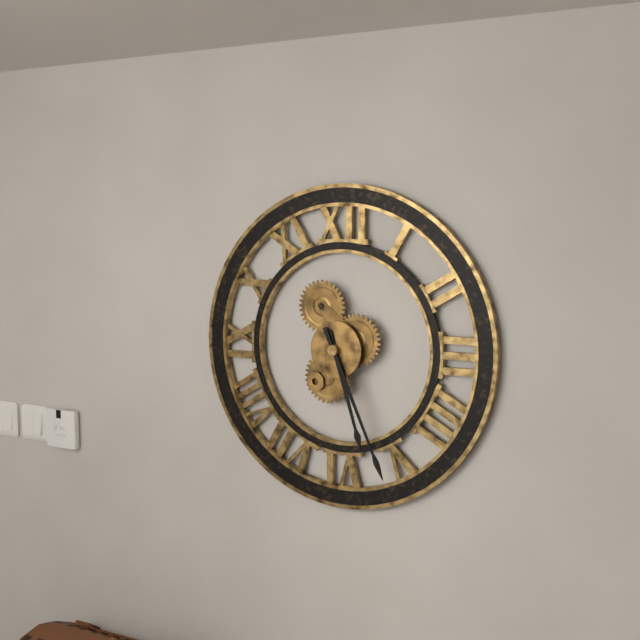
5:26
